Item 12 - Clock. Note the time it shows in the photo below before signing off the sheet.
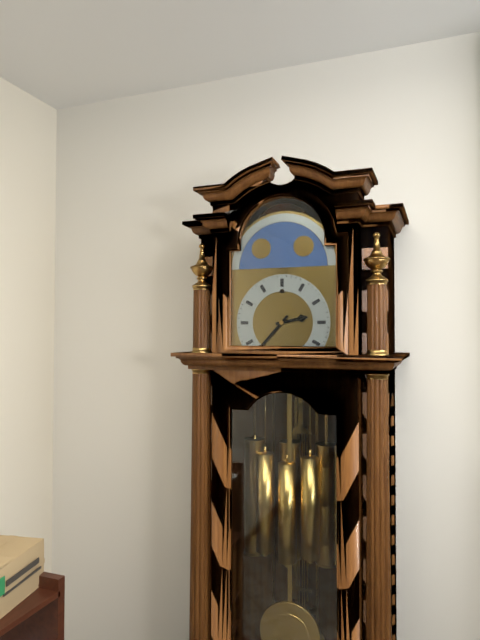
2:37
